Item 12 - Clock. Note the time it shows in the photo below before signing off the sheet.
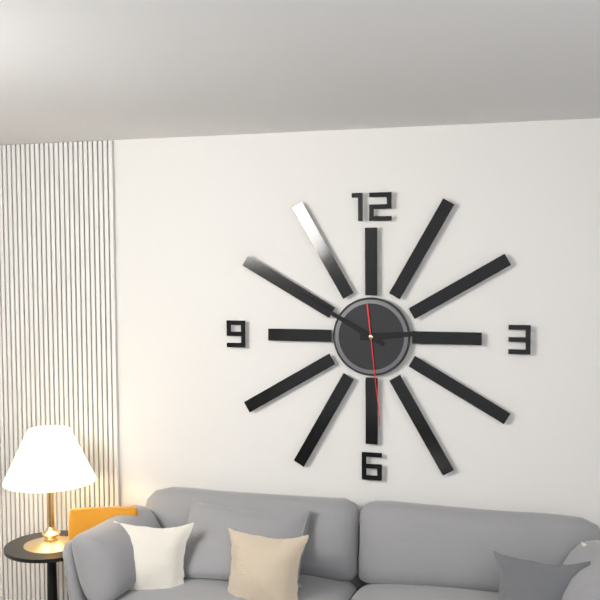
2:50:29
